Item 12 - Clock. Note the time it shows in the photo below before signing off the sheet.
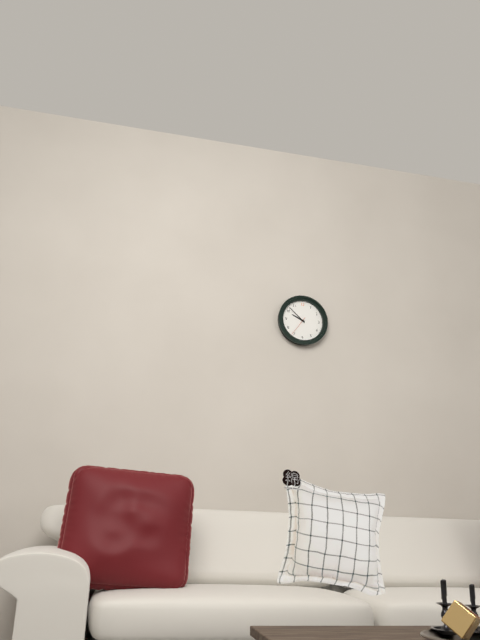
9:52
